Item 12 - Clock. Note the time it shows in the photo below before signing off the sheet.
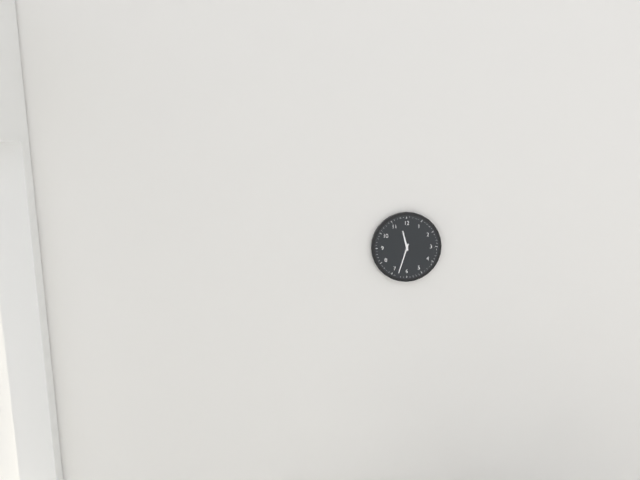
11:33
